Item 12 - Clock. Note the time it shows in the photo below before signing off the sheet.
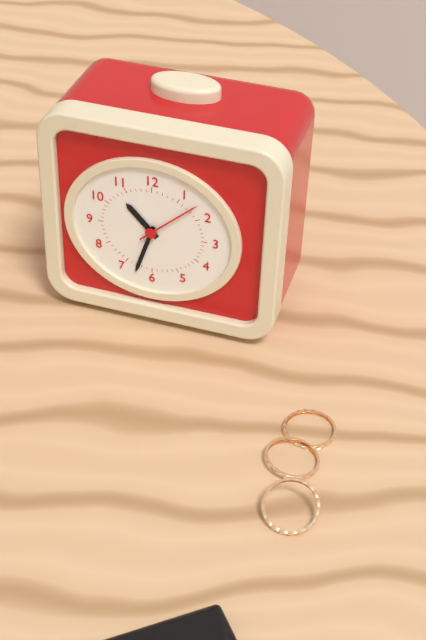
10:33:08
